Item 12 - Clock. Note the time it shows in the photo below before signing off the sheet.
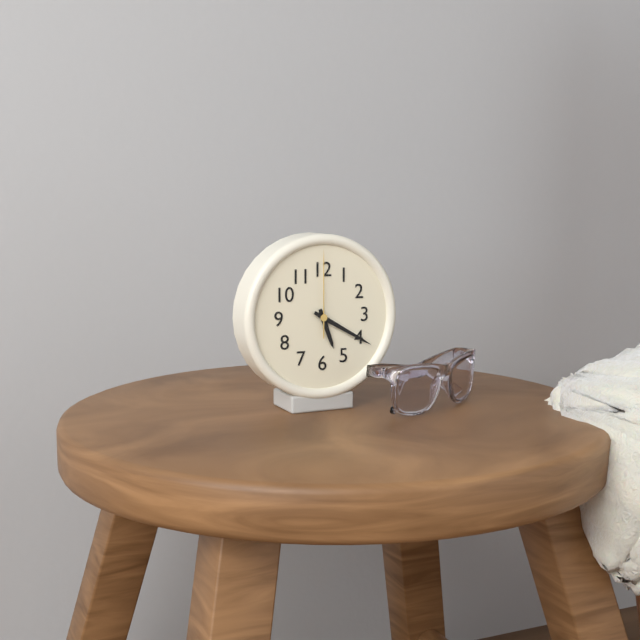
5:20:00
